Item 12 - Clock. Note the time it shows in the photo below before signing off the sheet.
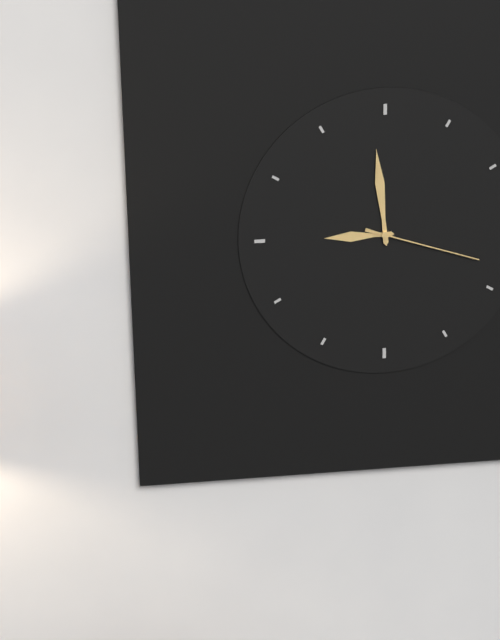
8:59:18
